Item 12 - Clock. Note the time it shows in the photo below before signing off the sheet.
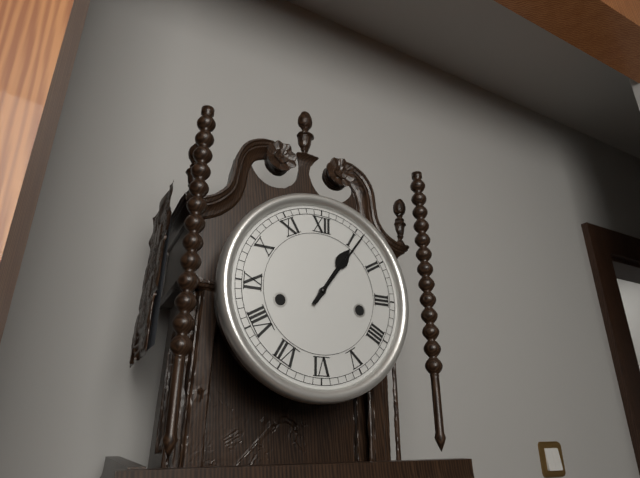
1:06
